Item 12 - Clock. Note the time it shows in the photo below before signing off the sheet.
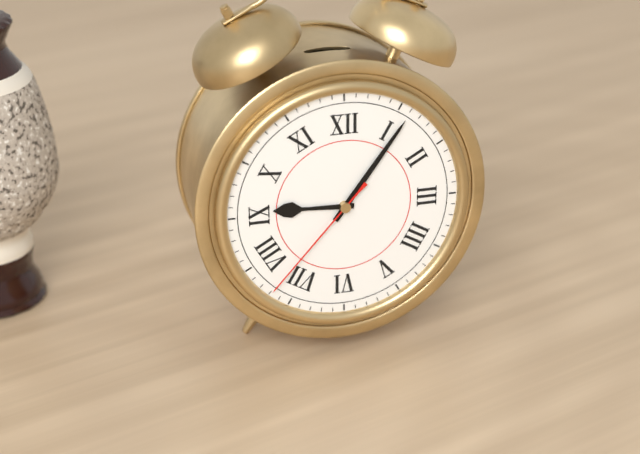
9:06:37
